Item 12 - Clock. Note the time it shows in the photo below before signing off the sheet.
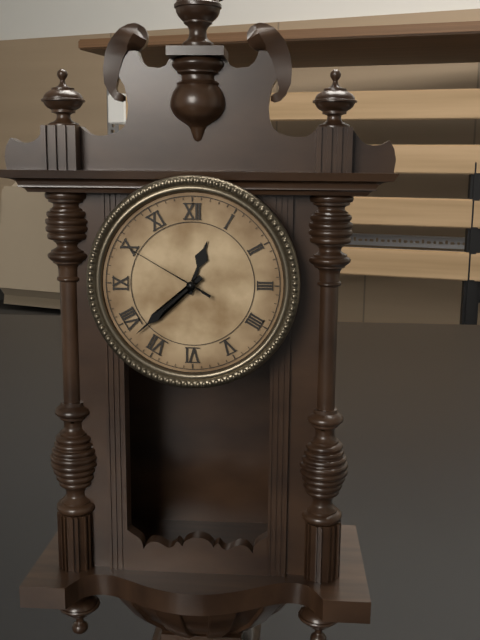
12:38:50
